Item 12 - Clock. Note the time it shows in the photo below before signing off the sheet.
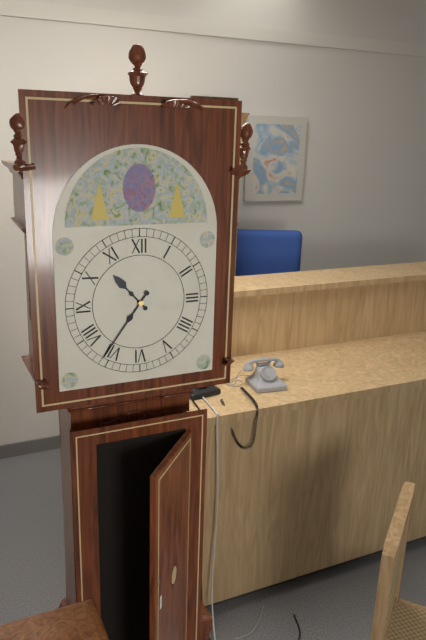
10:36
